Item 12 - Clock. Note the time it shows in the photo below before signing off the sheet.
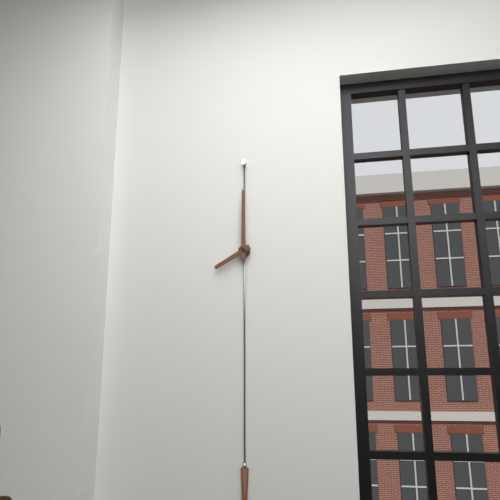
8:00
